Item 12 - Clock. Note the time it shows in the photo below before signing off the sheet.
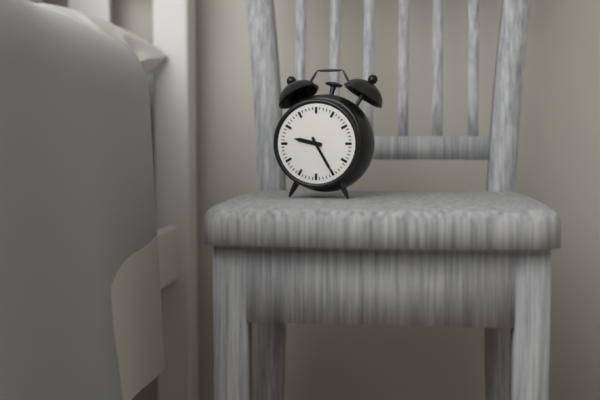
9:25
